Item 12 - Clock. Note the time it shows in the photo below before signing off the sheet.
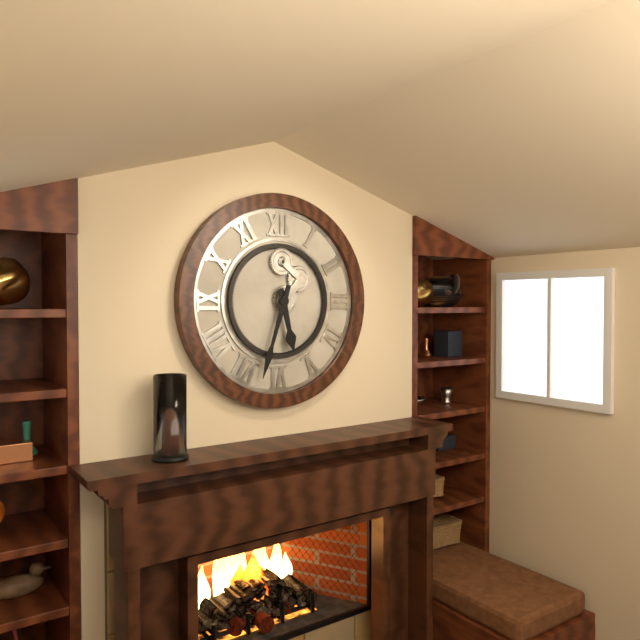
5:33
